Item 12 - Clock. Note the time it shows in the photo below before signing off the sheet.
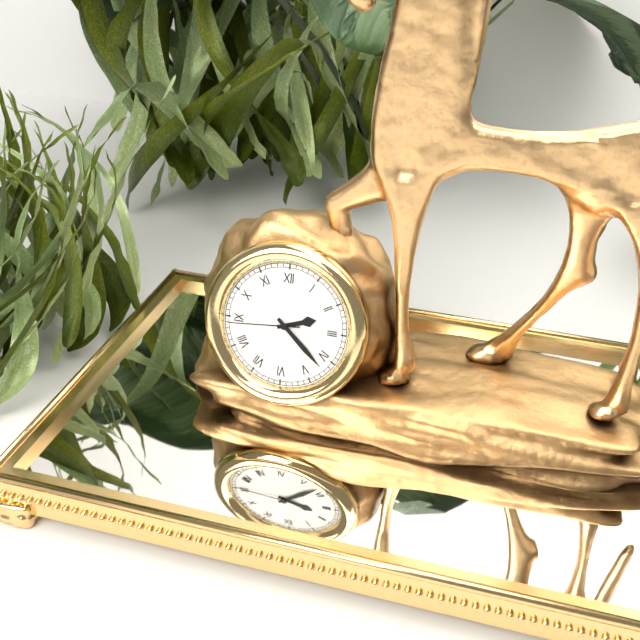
2:22:44
